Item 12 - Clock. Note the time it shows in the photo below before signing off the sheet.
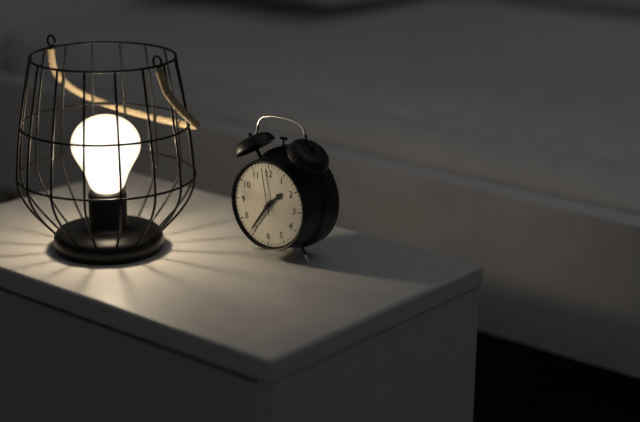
1:36
